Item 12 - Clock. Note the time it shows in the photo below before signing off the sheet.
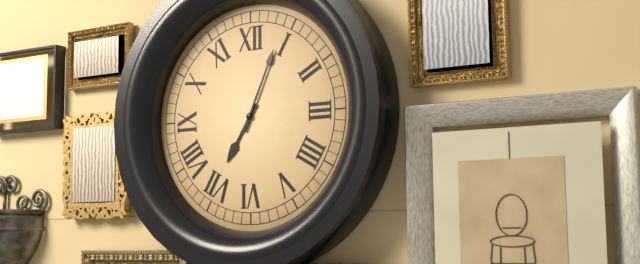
7:04
